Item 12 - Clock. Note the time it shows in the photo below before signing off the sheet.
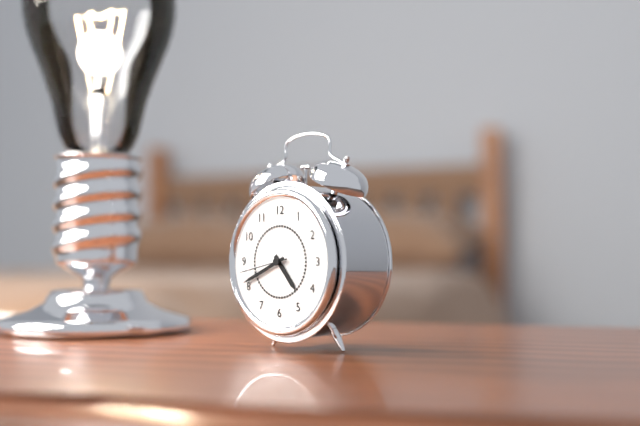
4:41:43
